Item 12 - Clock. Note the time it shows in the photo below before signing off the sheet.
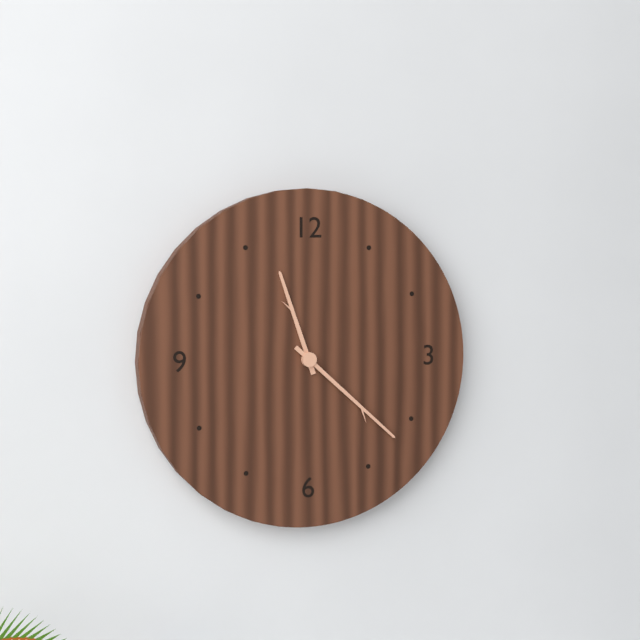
11:22
